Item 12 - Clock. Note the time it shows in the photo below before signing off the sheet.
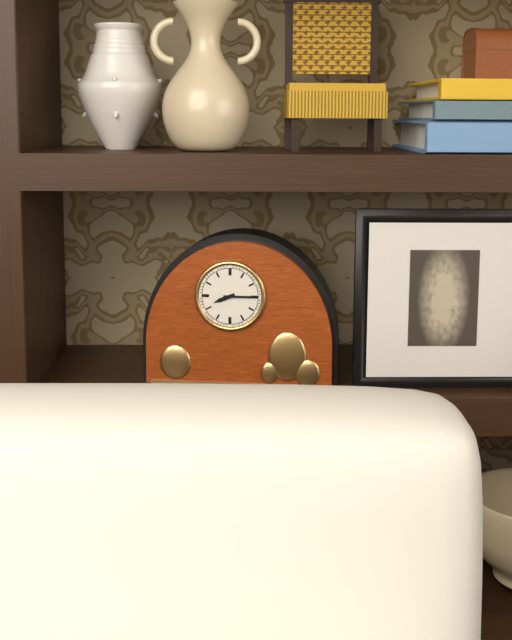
8:15
